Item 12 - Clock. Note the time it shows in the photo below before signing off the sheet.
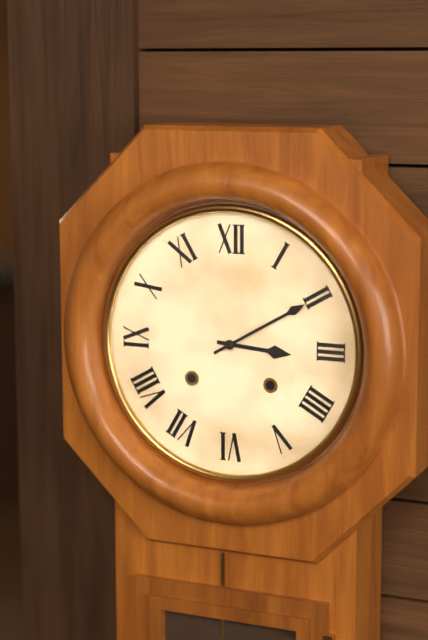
3:10
